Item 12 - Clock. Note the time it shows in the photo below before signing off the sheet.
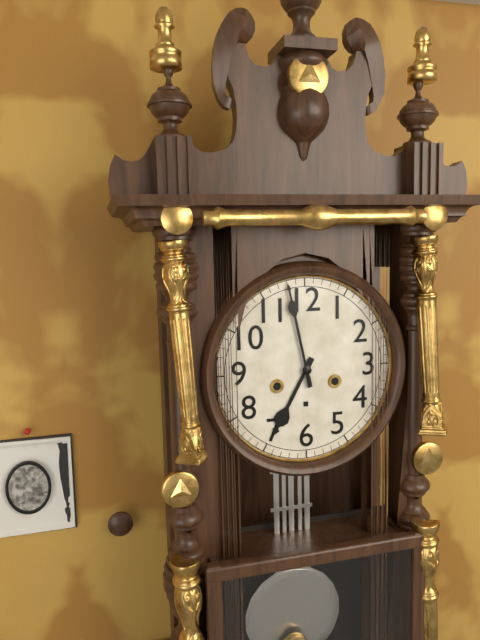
6:58
